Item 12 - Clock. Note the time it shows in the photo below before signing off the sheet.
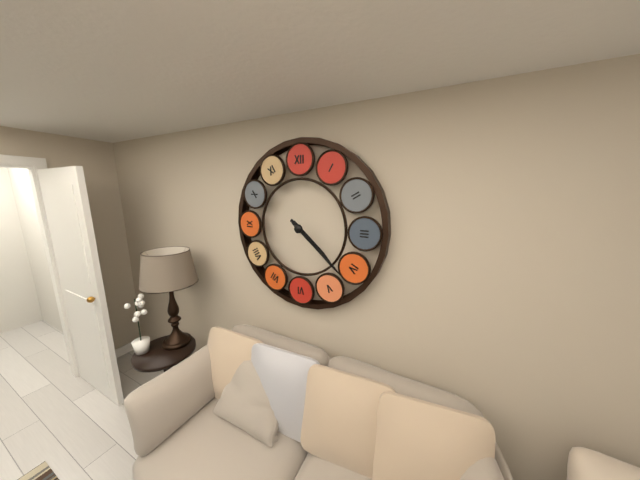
4:22
